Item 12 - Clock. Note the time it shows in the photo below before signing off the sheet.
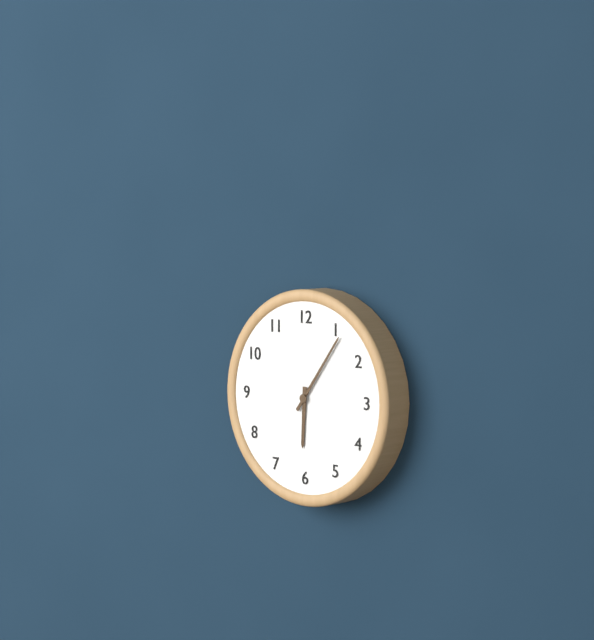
6:06
